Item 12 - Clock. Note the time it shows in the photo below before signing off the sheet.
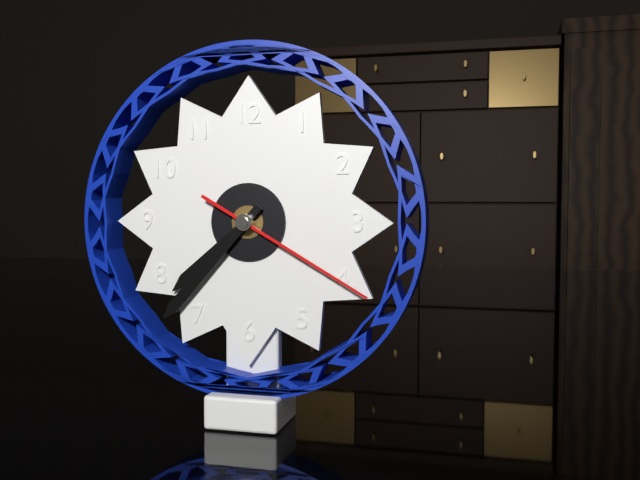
7:37:20
